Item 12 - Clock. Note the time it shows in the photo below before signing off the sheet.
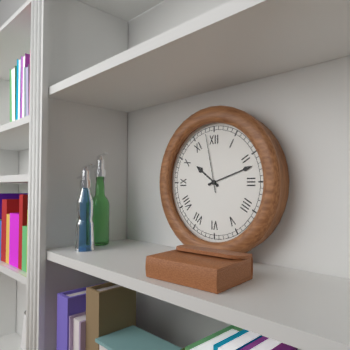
10:12:58
